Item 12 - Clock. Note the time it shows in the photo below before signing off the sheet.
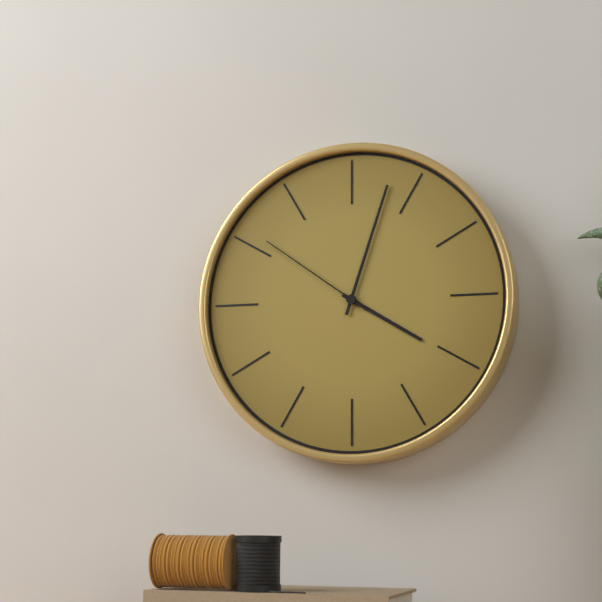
4:03:51
